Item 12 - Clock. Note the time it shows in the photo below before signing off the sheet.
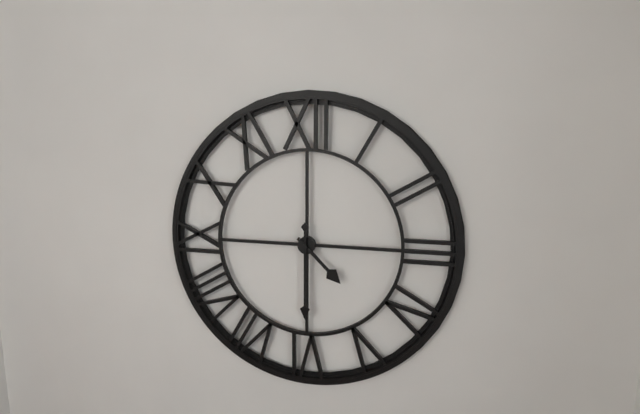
4:30
